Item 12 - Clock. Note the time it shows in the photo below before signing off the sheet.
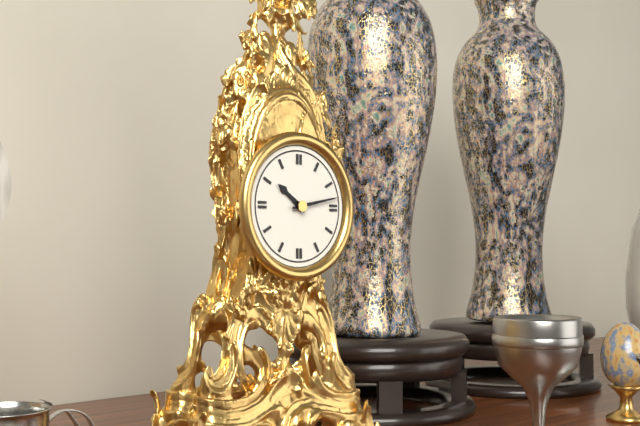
10:13
